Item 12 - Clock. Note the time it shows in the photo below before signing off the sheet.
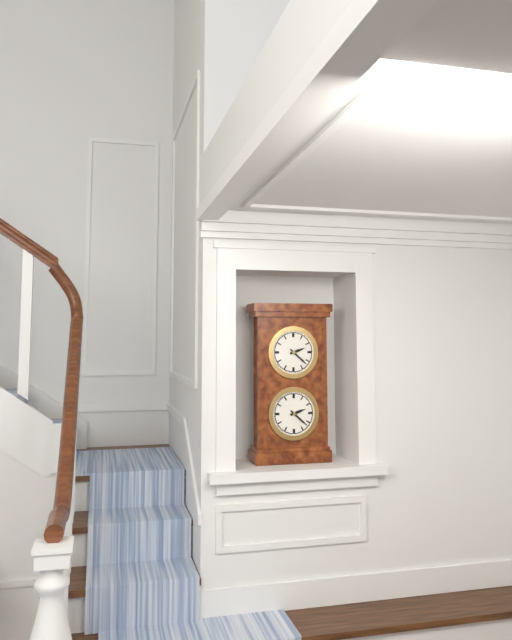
2:22
